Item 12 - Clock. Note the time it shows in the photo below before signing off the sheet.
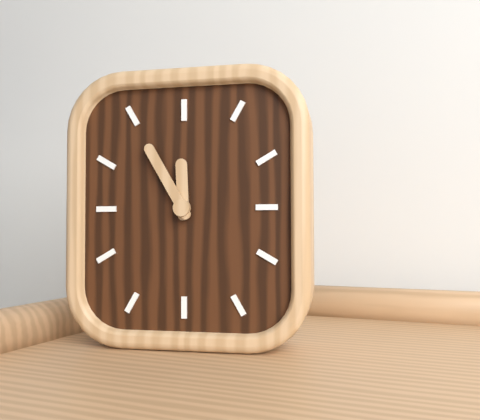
11:55
